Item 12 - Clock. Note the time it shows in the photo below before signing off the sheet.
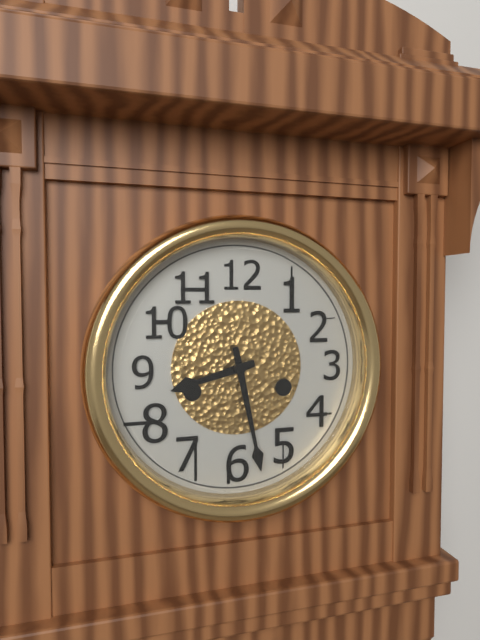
8:28
